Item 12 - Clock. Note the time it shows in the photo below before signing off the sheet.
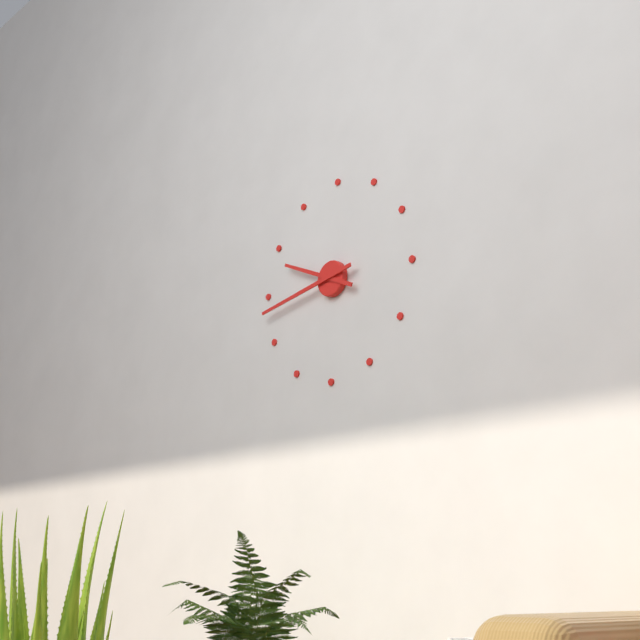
9:43
